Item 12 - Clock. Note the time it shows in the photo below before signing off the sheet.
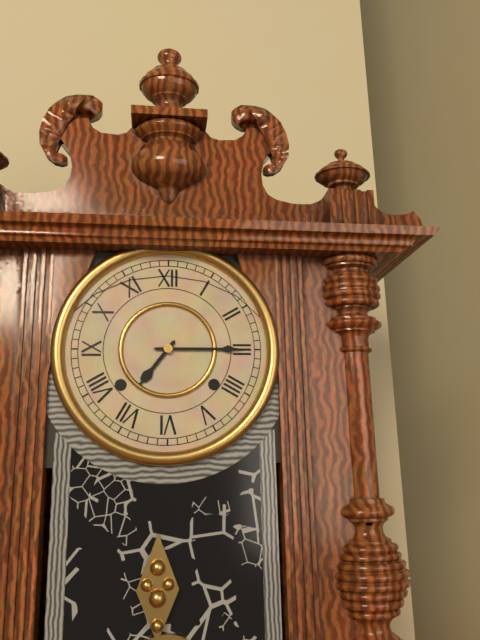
7:15
